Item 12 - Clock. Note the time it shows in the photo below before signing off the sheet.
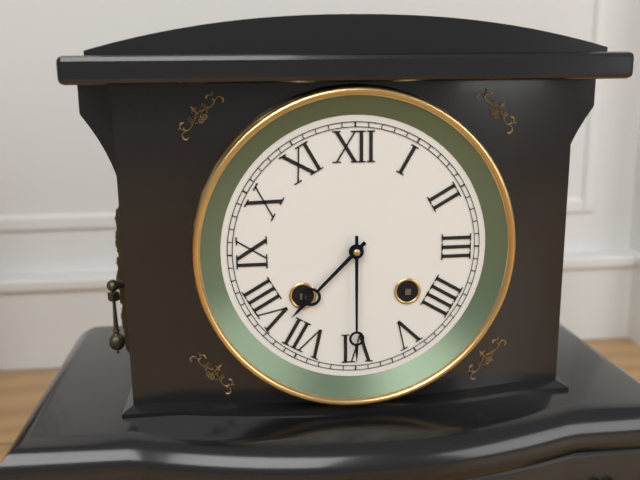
7:30
